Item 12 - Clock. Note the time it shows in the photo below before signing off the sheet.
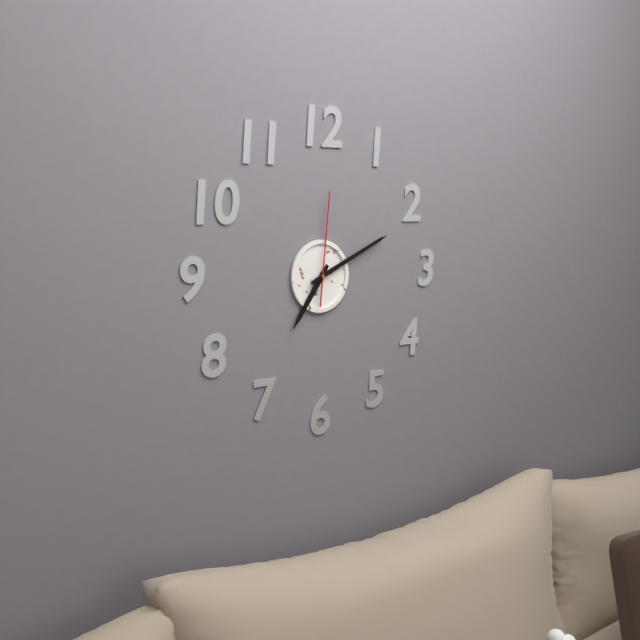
7:11:01
